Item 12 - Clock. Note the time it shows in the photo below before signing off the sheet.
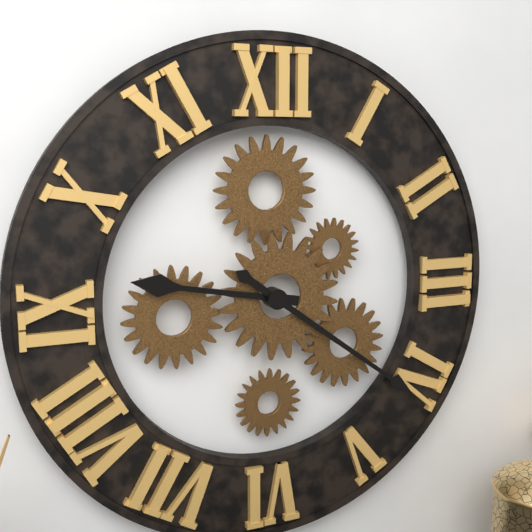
9:21
